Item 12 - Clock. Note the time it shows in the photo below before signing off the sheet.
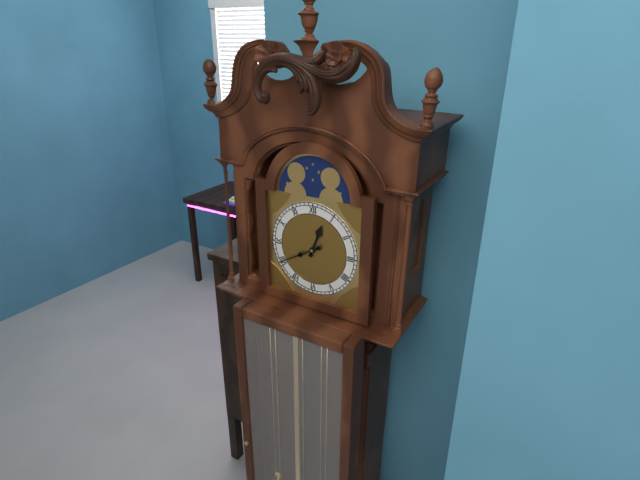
12:40
